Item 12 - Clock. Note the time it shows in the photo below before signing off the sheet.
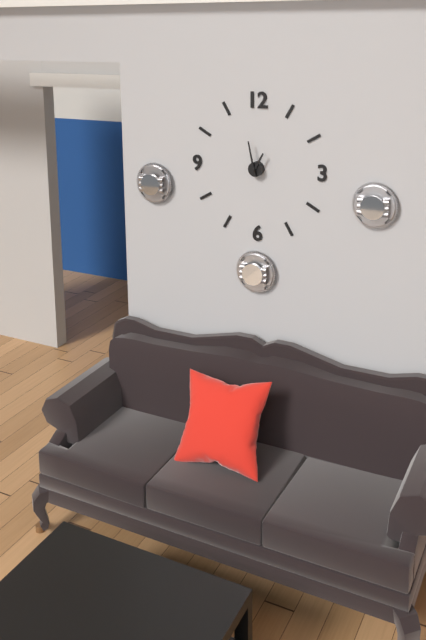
12:58
